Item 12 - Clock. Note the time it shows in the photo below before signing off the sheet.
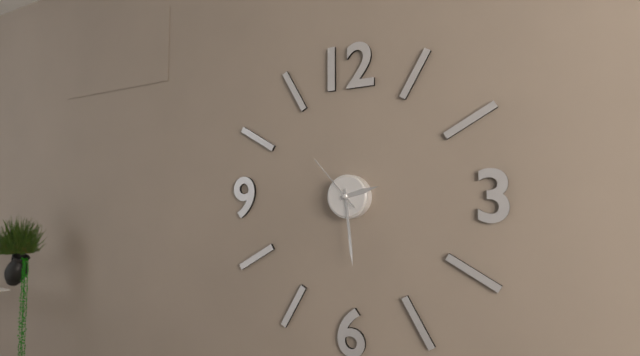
2:29:53
